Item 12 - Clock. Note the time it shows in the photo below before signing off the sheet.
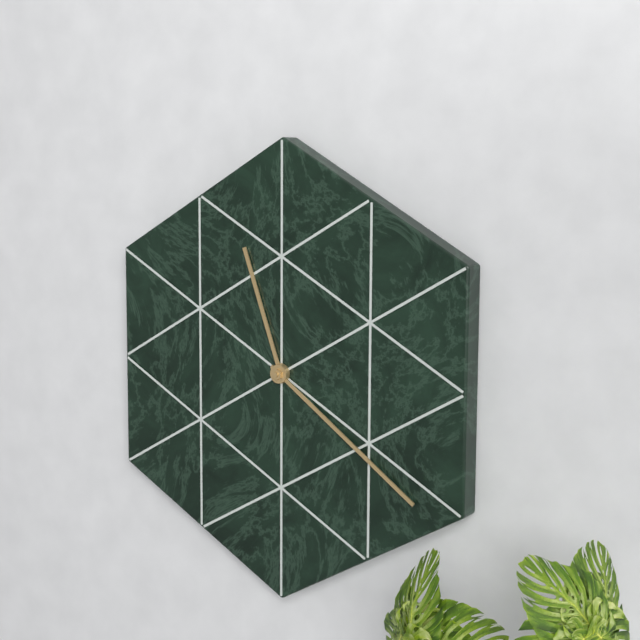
11:21
